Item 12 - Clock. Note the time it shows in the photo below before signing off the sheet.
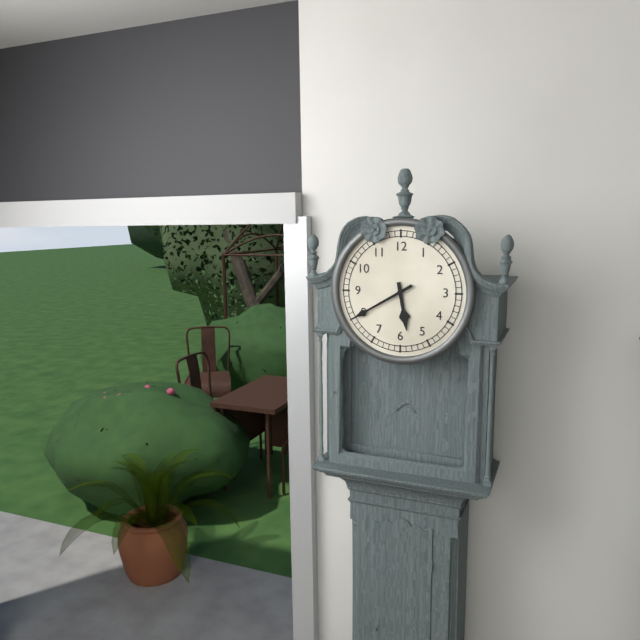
5:40
